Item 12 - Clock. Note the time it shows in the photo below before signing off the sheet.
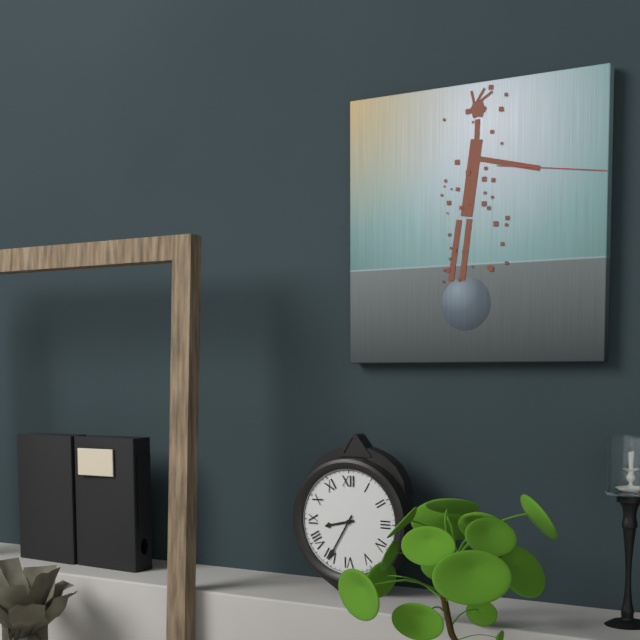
8:35
